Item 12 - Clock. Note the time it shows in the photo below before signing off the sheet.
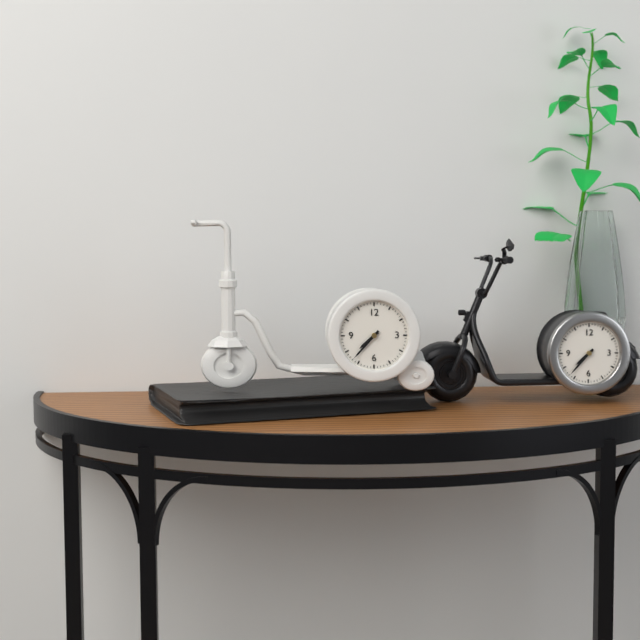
7:37
